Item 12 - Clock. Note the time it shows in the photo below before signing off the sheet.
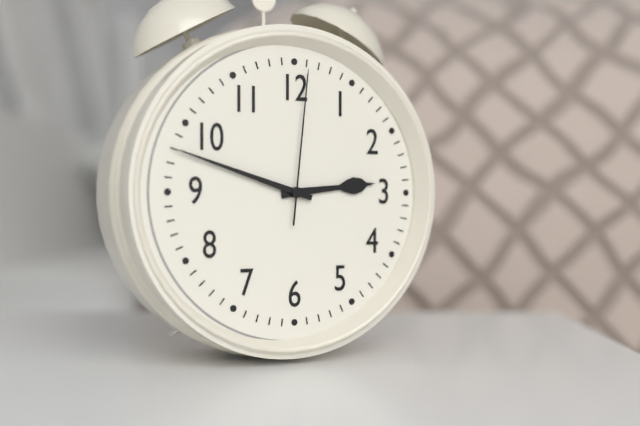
2:48:01
